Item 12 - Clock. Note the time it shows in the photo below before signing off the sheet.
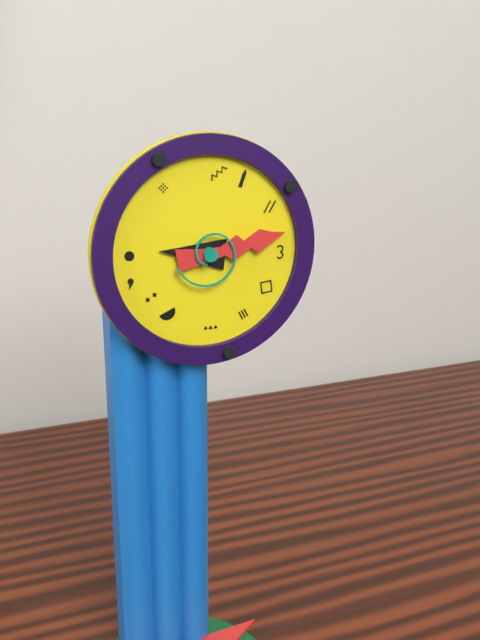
9:13
